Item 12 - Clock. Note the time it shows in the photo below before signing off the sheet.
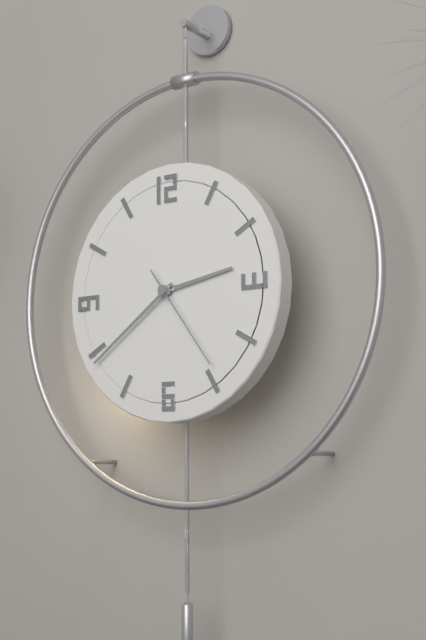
2:39:24
